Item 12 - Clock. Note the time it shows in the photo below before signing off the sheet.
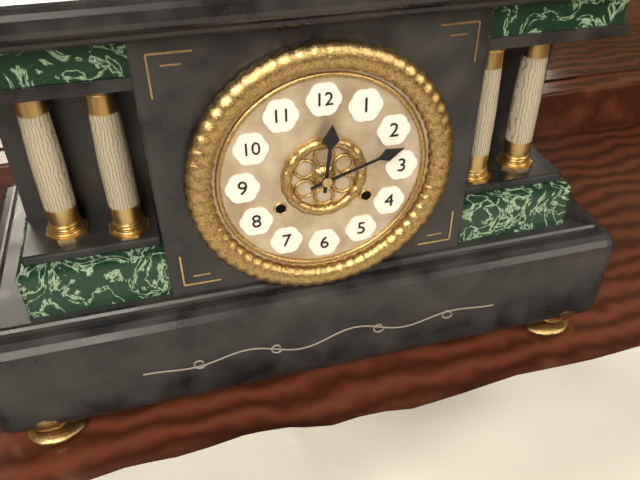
12:12
